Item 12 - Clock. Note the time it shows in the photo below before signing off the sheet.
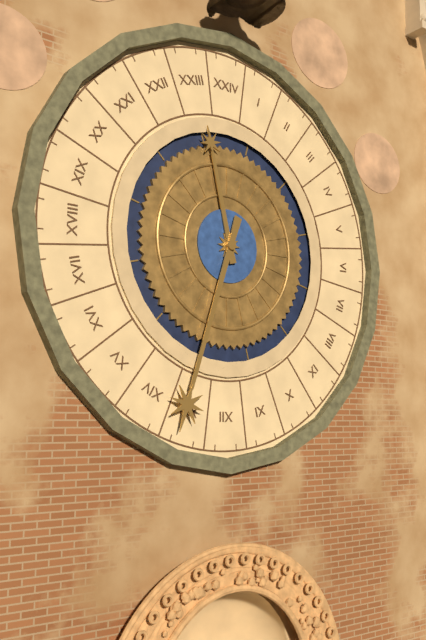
11:33
